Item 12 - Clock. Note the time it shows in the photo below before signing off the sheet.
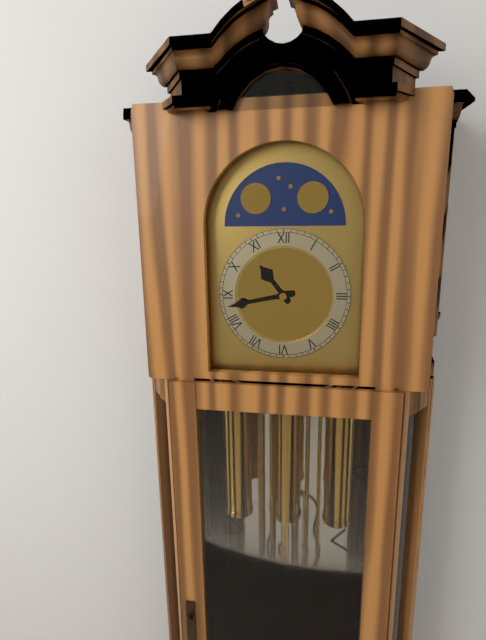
10:43
